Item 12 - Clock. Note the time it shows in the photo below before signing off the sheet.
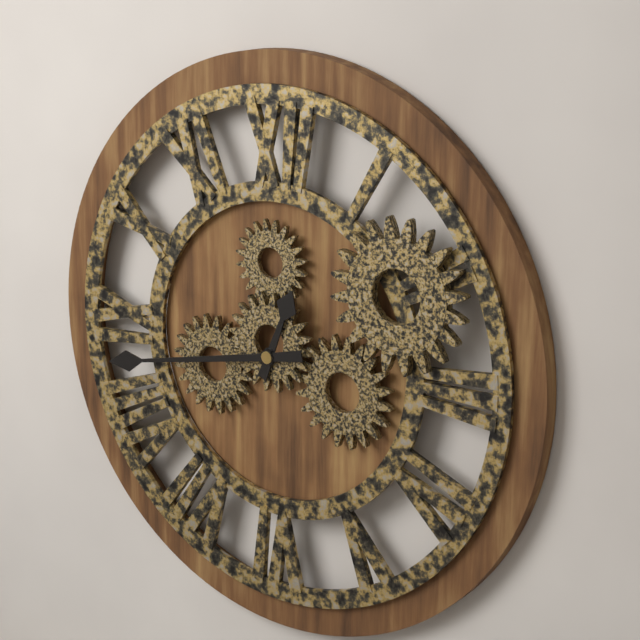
12:43
